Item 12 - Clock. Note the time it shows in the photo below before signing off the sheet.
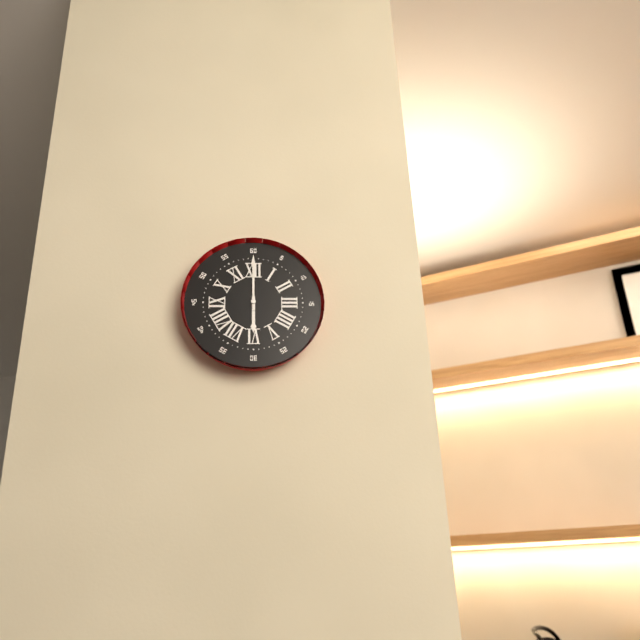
6:00
